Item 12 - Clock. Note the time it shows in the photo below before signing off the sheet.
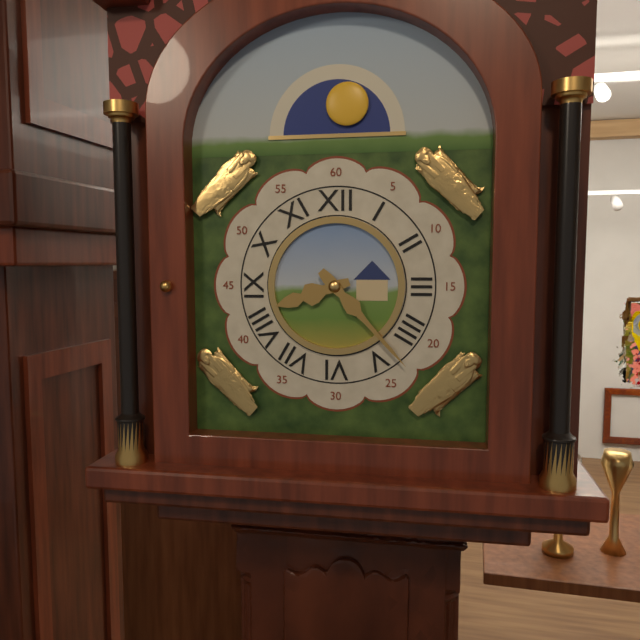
8:23
